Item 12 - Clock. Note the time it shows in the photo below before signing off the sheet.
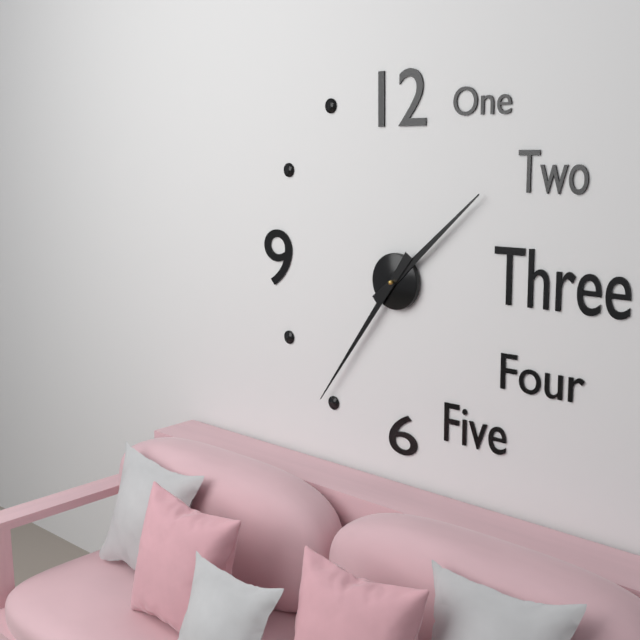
1:36
